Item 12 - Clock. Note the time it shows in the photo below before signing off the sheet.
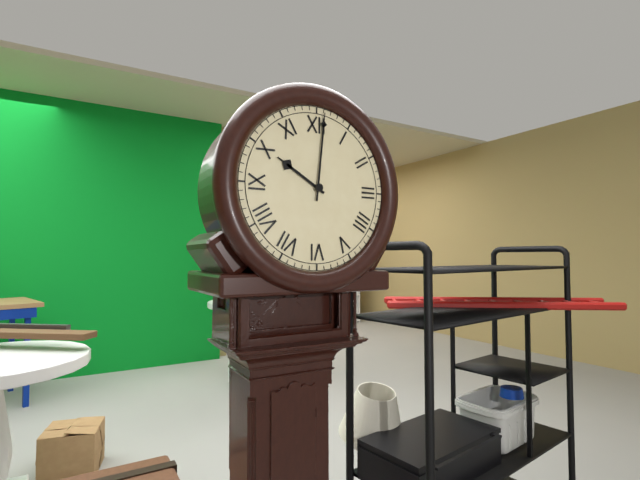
10:01
